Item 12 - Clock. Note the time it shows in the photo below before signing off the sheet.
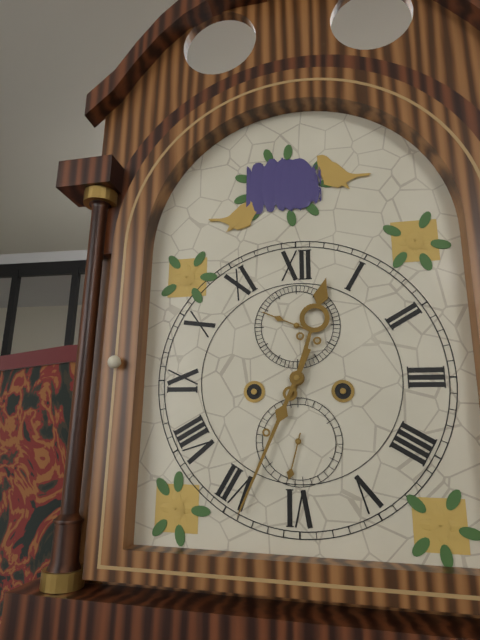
12:34
